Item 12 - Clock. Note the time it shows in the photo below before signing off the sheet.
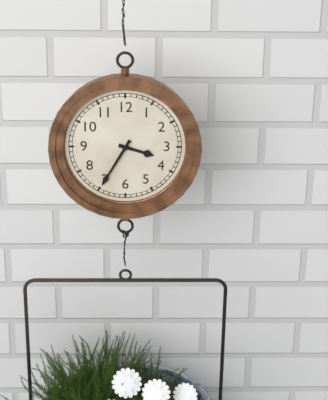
3:35
